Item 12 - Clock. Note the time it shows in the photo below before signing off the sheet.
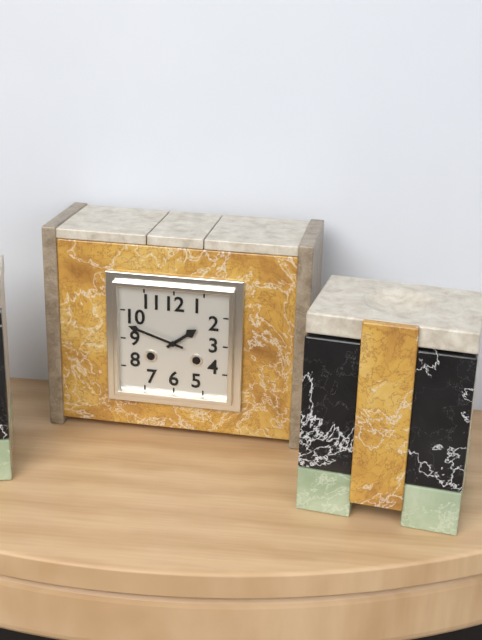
1:48
